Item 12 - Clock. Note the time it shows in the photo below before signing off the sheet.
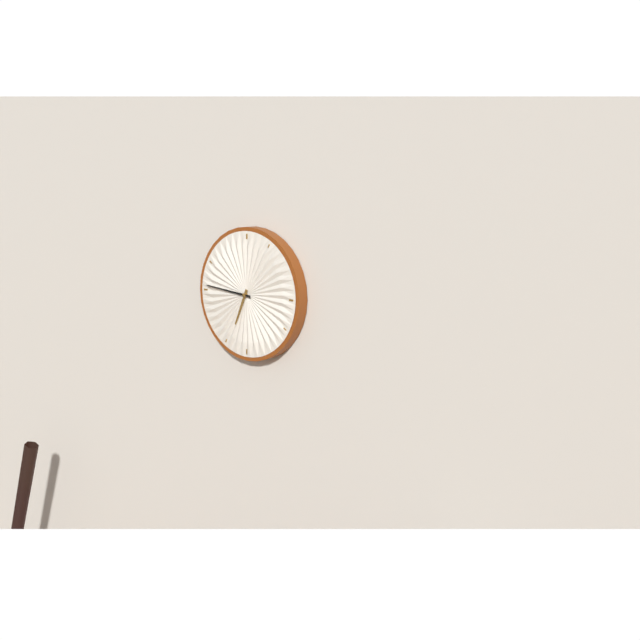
6:46
